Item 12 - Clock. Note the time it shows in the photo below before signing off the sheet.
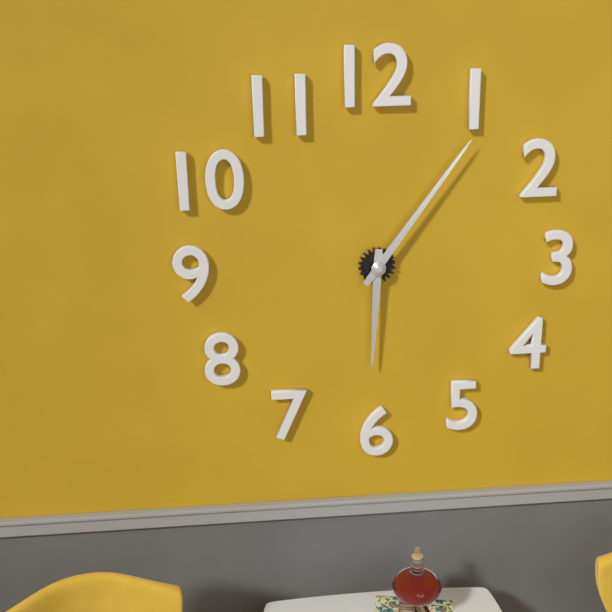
6:06
